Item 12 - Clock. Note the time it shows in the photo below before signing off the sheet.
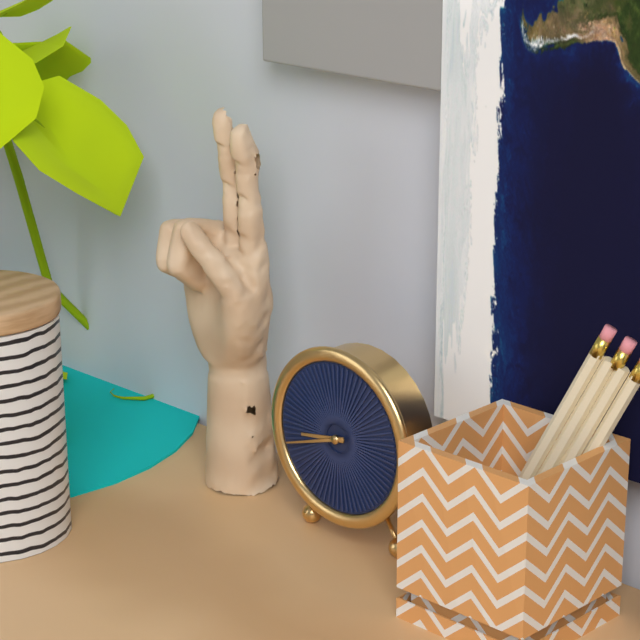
8:42
